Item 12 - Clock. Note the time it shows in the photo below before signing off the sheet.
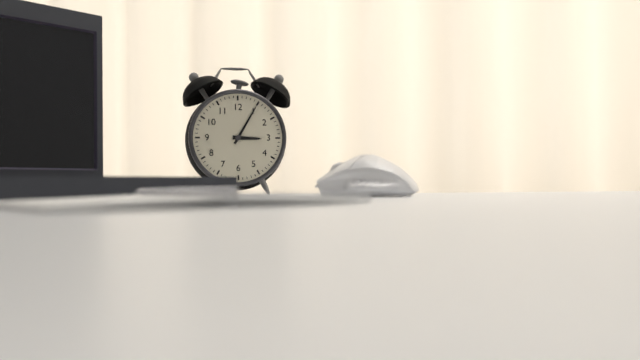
3:05
